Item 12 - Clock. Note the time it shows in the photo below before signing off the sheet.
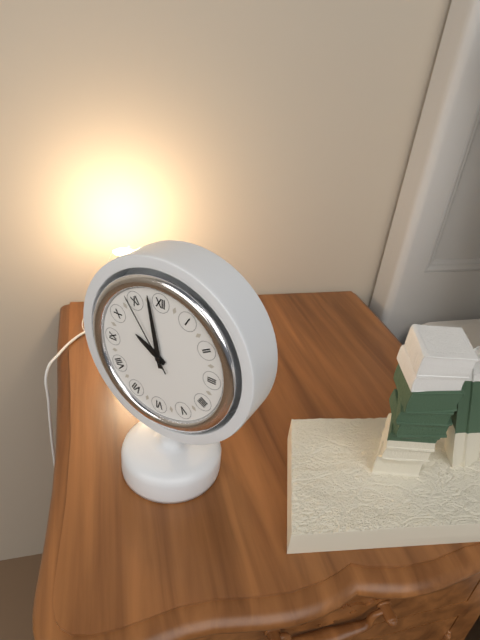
9:58:54
